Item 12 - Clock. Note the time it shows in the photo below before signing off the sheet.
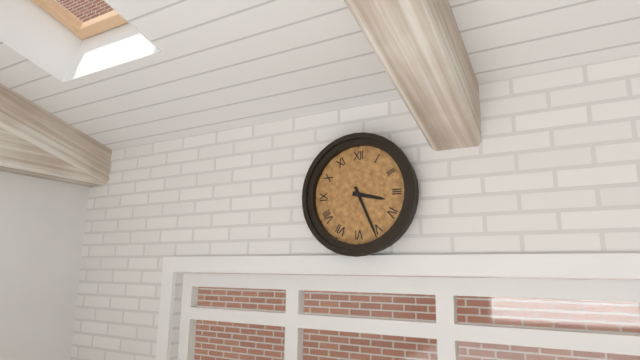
3:26
